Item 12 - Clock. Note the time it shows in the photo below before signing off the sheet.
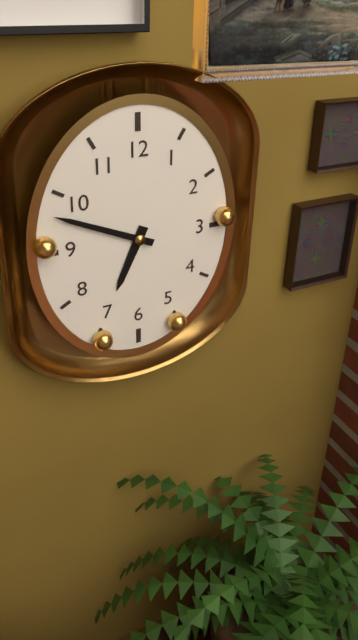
6:49
